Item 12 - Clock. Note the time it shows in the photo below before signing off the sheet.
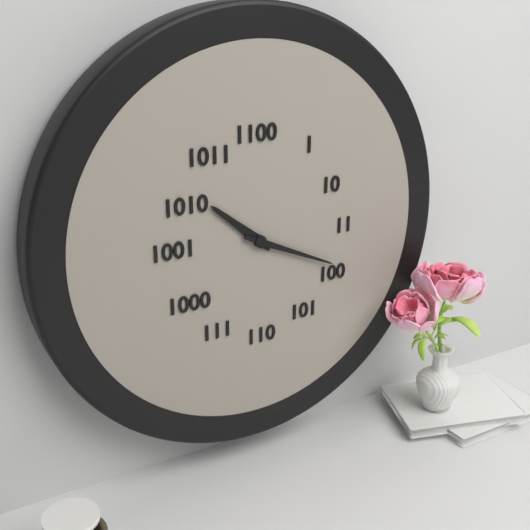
10:19
